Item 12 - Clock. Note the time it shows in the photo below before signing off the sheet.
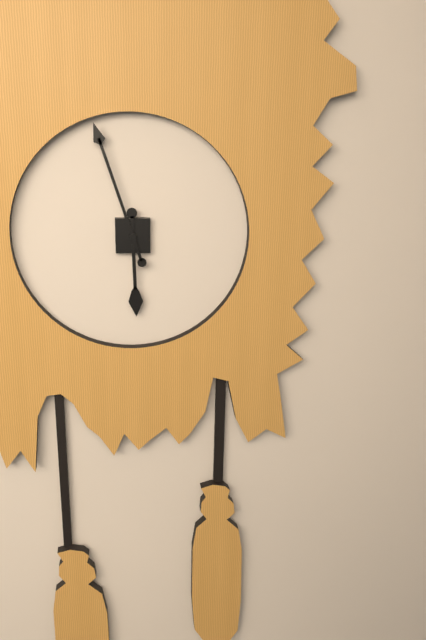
5:57
